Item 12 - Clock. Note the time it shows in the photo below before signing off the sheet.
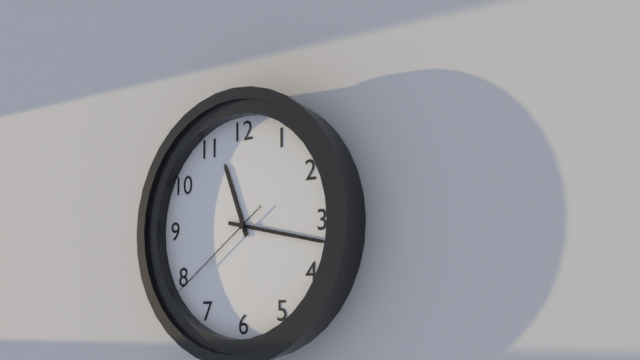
11:17:39
